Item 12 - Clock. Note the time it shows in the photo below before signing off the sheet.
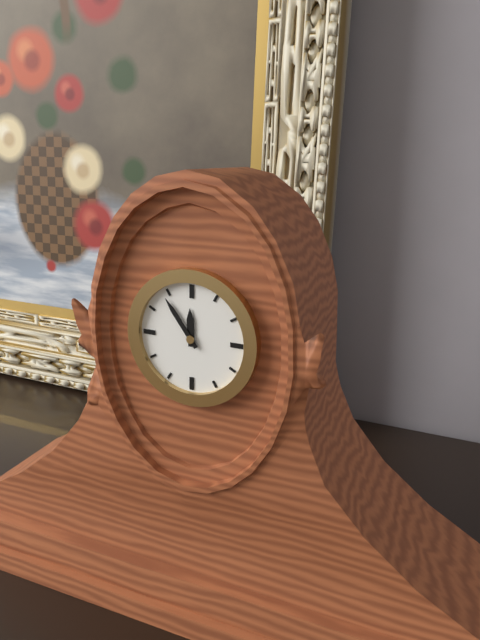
11:54
